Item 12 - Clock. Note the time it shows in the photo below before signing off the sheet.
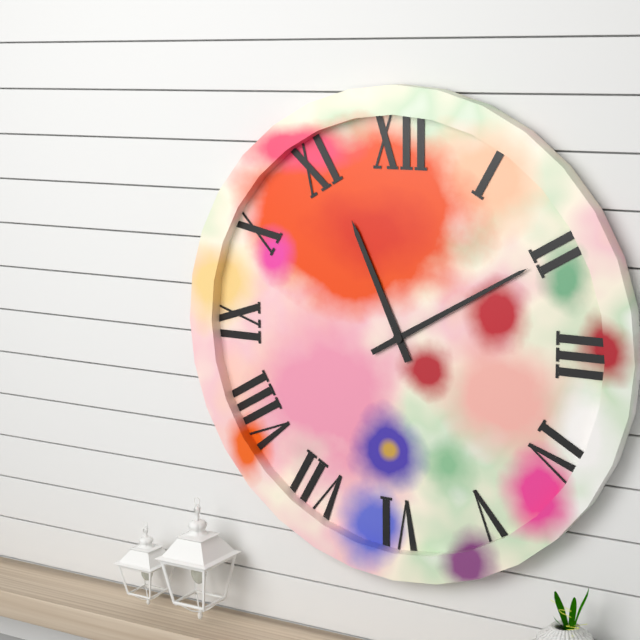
11:10
